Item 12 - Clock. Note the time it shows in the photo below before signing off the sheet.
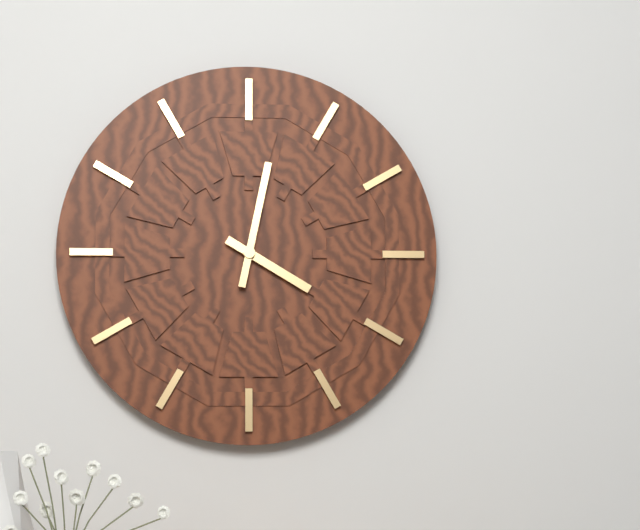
4:02
